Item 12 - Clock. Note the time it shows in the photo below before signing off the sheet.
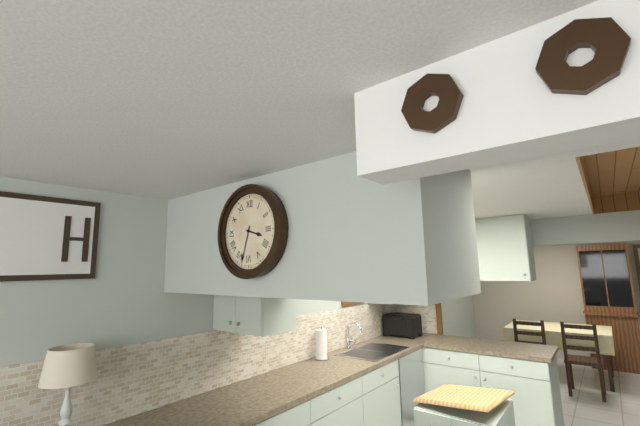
3:33
